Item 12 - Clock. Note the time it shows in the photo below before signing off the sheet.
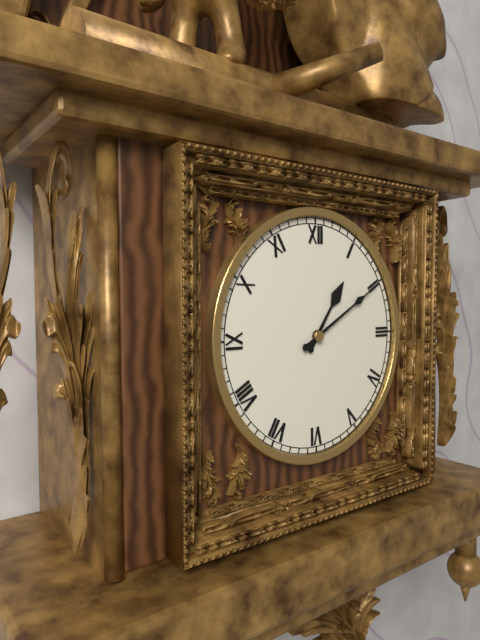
1:10
